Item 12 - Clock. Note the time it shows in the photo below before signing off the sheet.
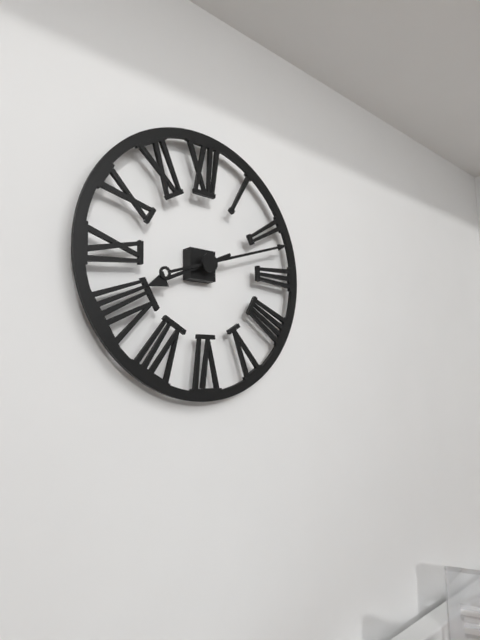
8:12
